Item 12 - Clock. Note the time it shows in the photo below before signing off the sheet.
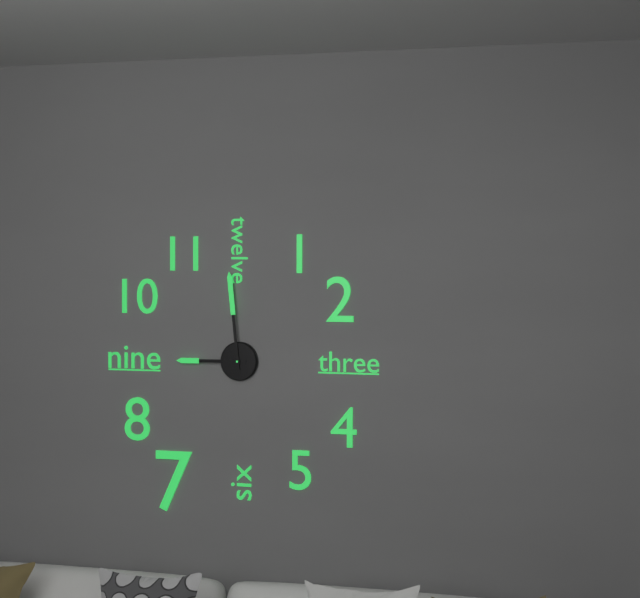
8:59
